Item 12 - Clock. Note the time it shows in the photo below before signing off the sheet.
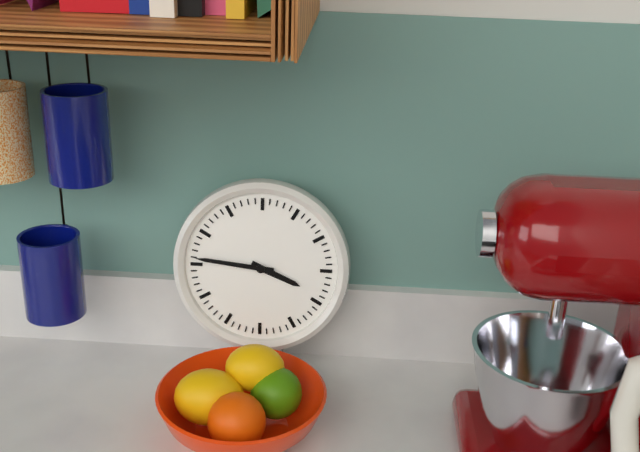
3:46
